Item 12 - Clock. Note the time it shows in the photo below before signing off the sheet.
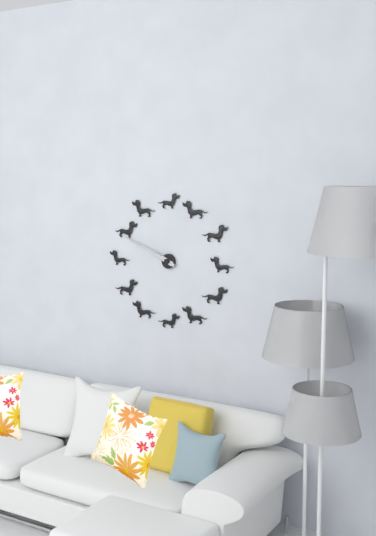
9:49
